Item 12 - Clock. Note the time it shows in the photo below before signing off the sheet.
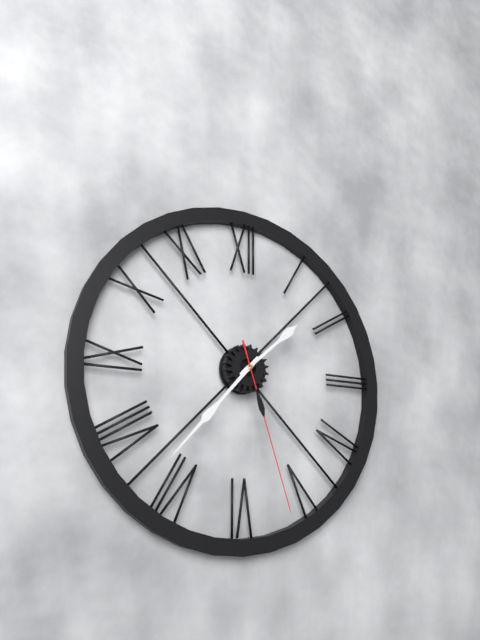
1:37:27
